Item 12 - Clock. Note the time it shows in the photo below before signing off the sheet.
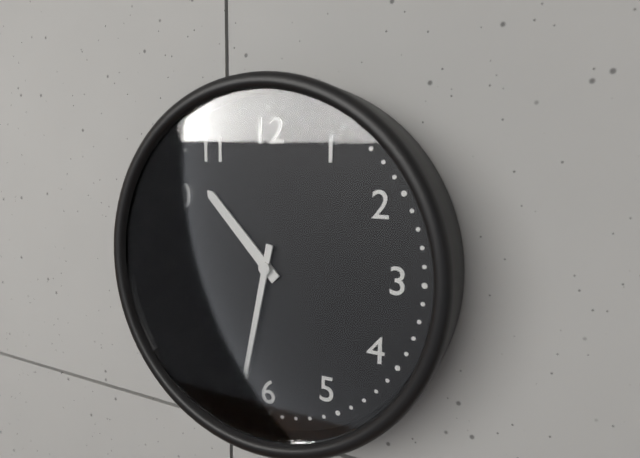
10:32
